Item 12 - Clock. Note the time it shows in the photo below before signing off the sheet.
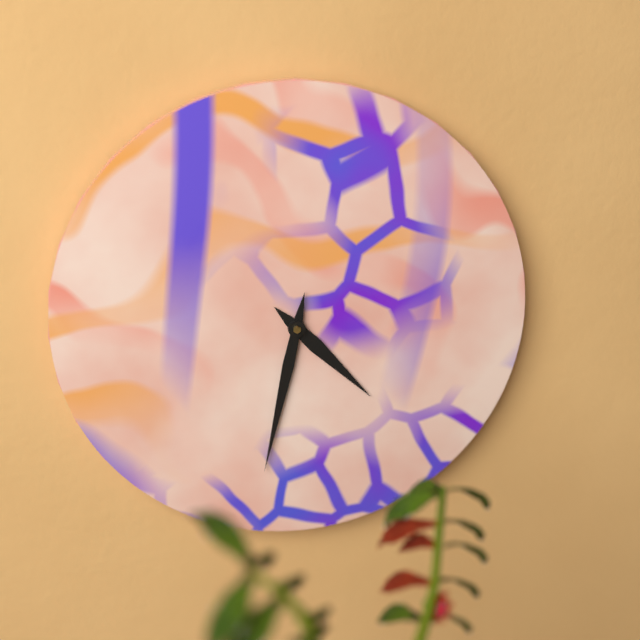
4:32
